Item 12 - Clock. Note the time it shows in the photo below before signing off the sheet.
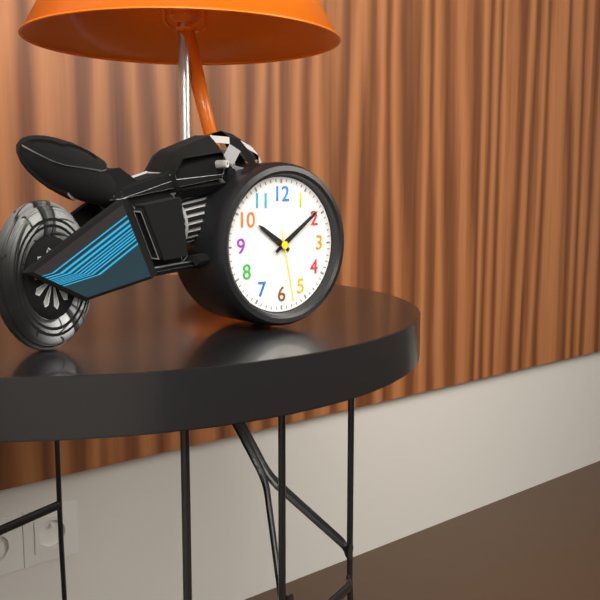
10:09:28
